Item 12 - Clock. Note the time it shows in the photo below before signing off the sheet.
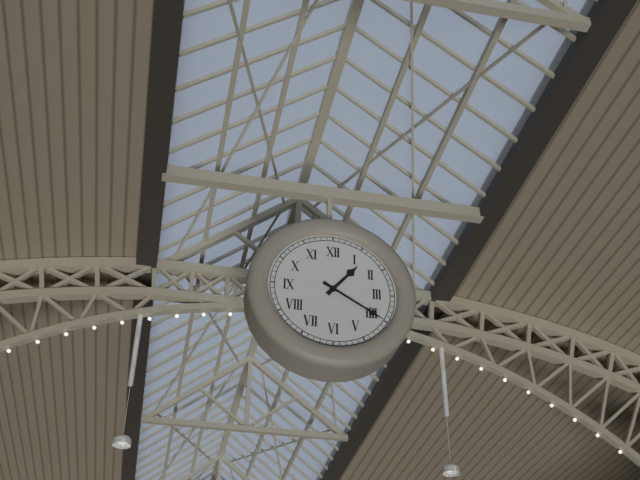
1:20
